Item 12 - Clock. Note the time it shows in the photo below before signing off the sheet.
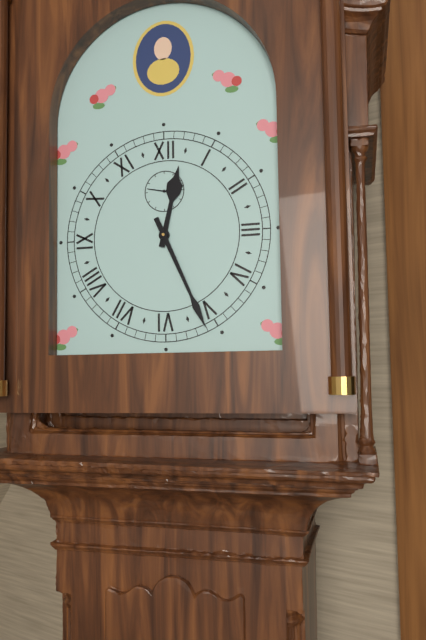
12:26
